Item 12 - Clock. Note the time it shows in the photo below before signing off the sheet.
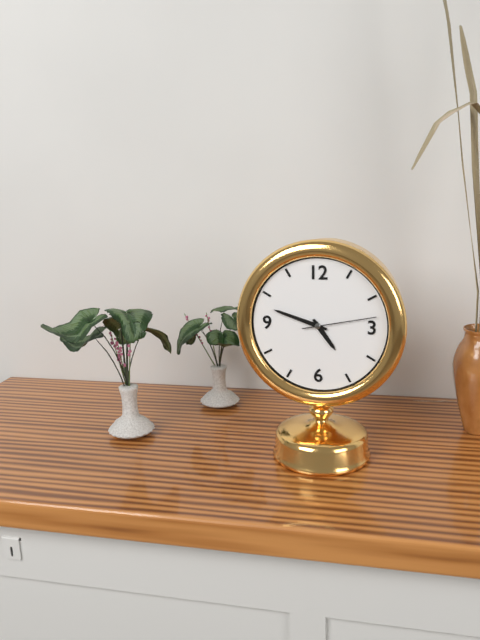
4:48:13
